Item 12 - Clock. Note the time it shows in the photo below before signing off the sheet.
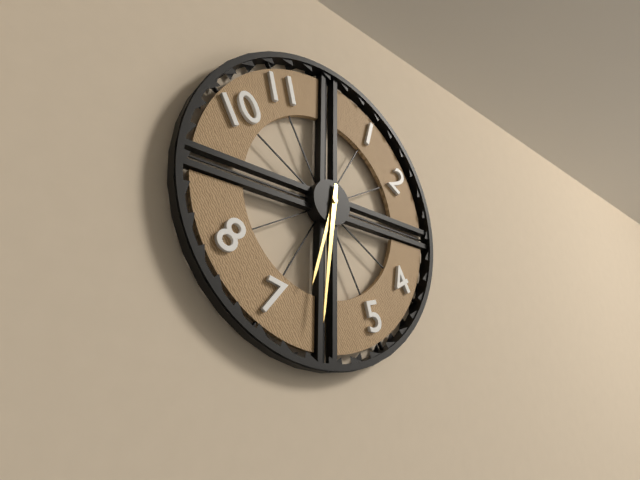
6:31
